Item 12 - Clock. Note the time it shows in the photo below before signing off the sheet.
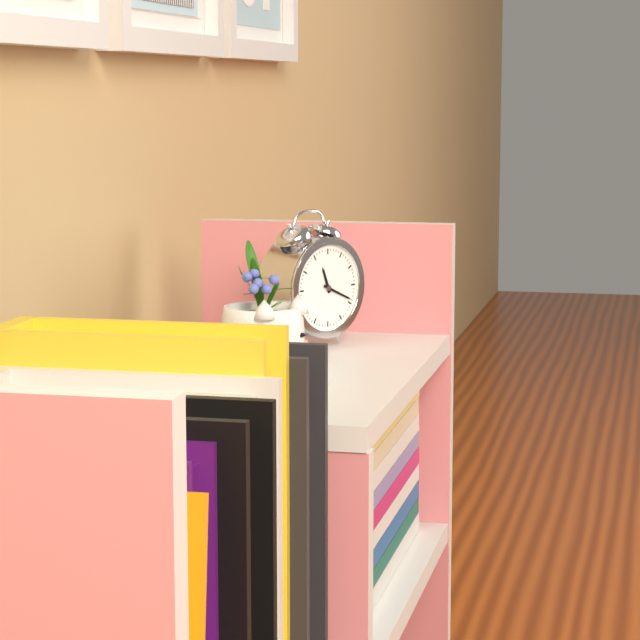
11:19
